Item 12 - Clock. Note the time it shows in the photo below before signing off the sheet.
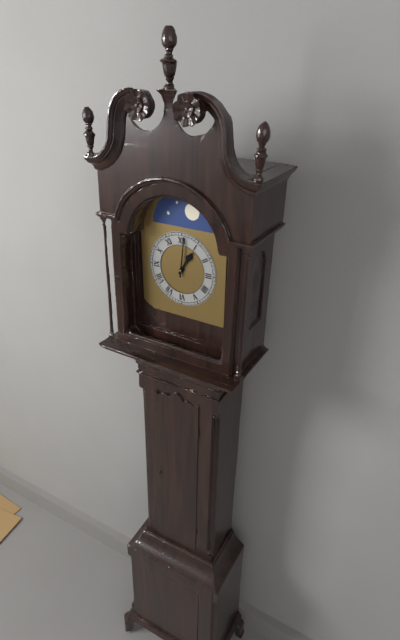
1:01
